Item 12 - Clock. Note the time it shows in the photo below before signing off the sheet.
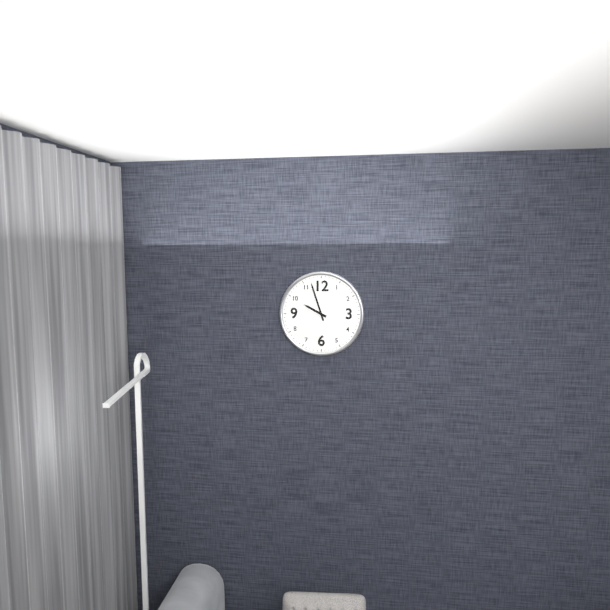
9:57
